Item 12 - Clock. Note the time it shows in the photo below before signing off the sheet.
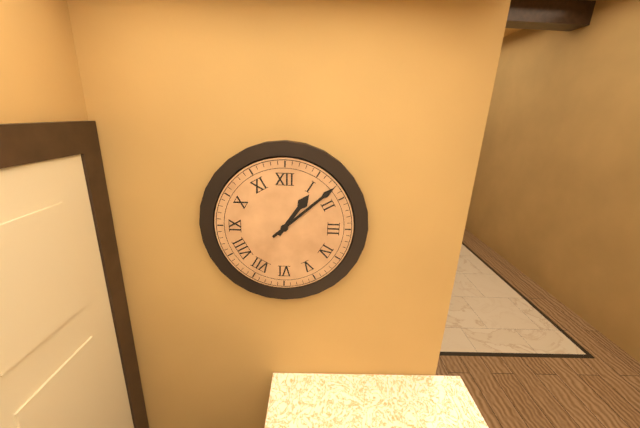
1:08
